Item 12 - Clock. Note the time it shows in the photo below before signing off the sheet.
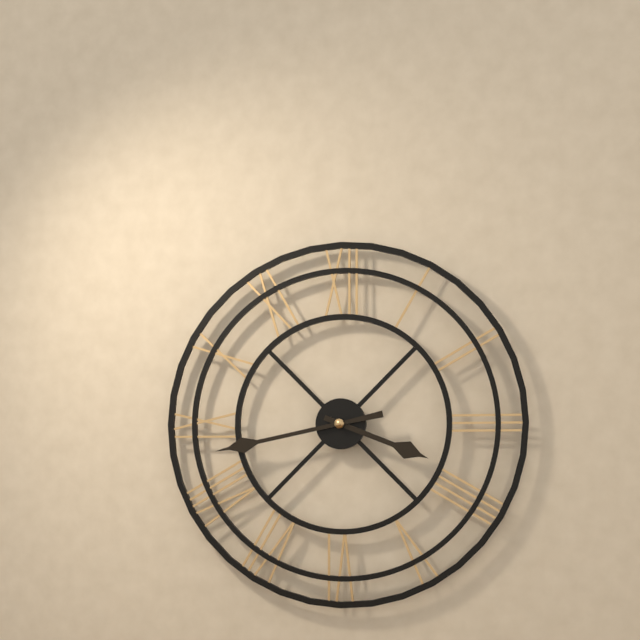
3:43
